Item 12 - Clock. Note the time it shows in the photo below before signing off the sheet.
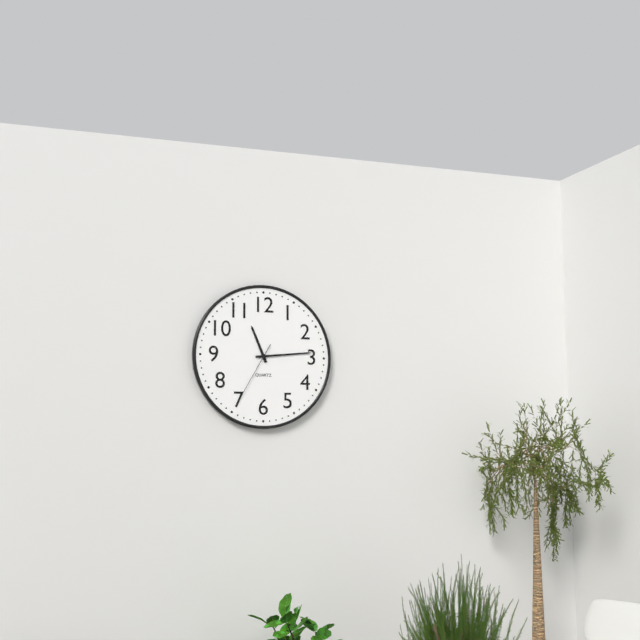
11:14:35
